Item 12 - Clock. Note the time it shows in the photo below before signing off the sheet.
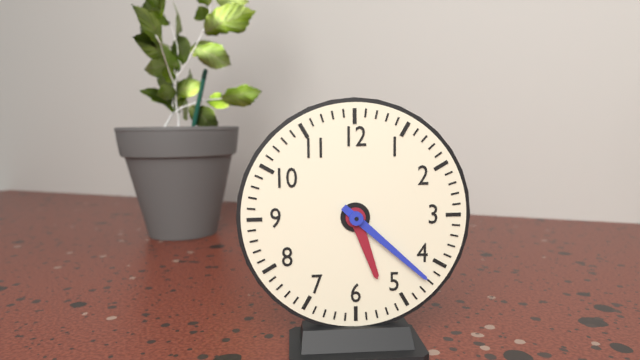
5:22
